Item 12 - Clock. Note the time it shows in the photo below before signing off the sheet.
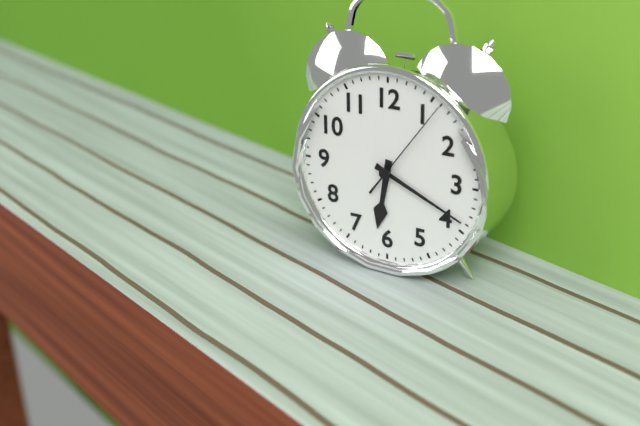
6:19:06
